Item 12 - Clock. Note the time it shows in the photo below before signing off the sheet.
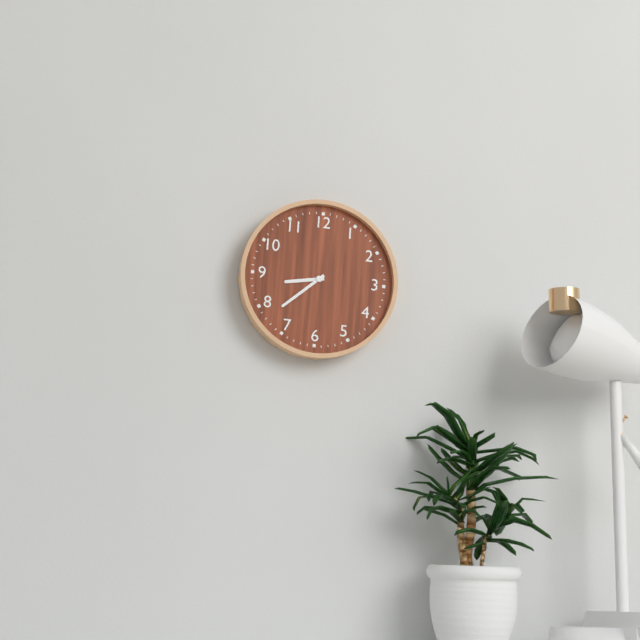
8:38
